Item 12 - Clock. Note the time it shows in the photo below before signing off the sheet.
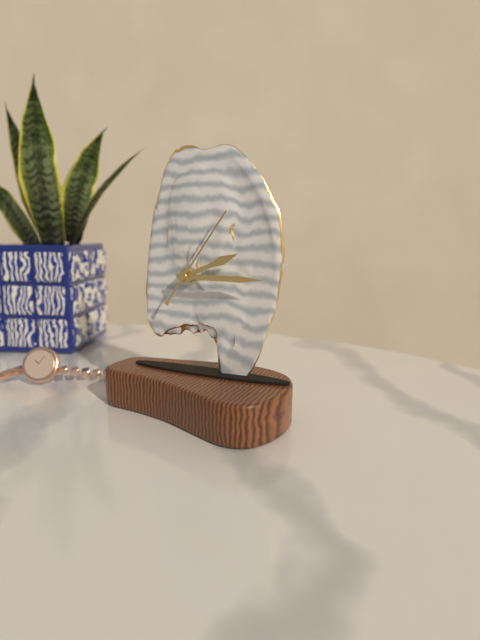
2:15:06
